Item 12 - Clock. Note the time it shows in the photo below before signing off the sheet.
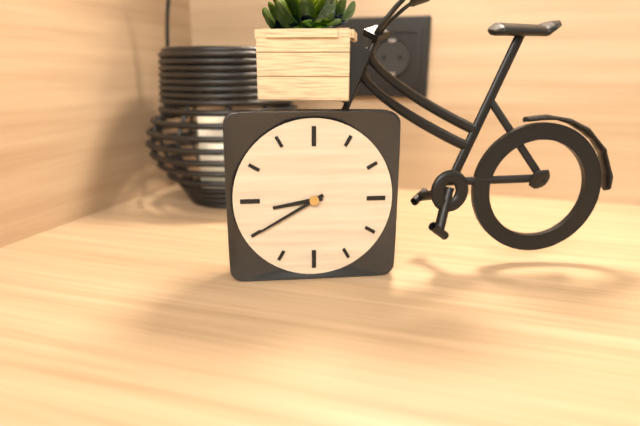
8:40
